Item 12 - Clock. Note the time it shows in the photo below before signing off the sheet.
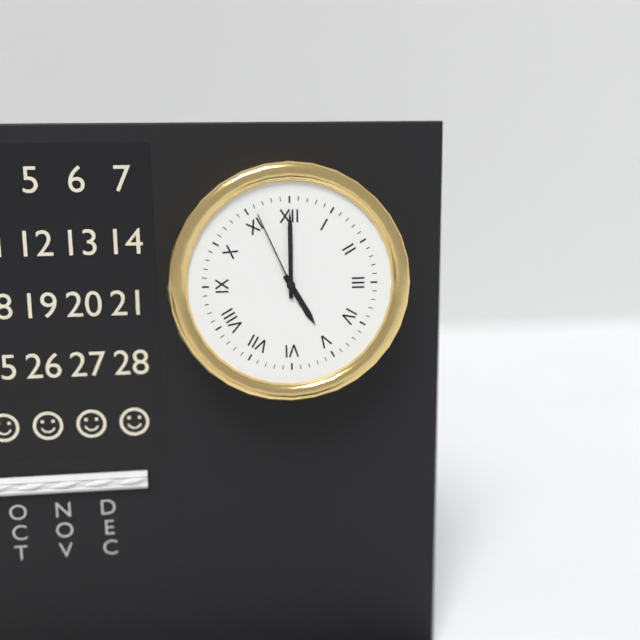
5:00:56
